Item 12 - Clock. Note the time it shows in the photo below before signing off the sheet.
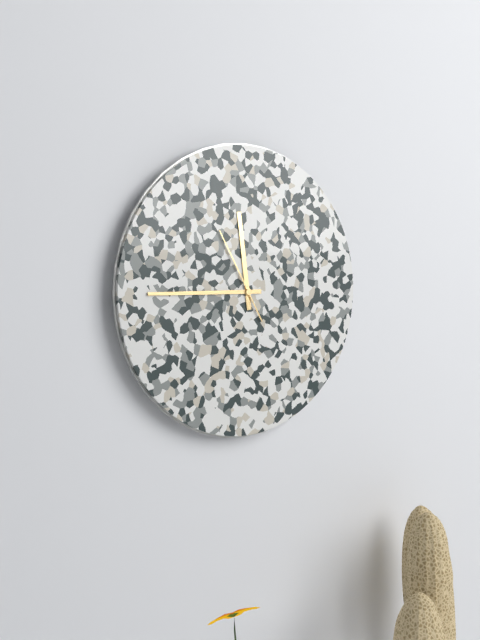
11:45:55
